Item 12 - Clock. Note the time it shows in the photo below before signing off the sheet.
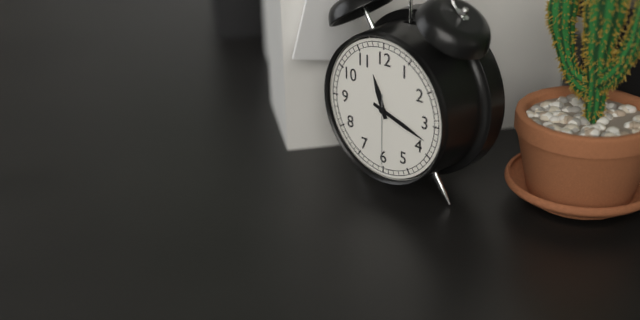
11:18:30
